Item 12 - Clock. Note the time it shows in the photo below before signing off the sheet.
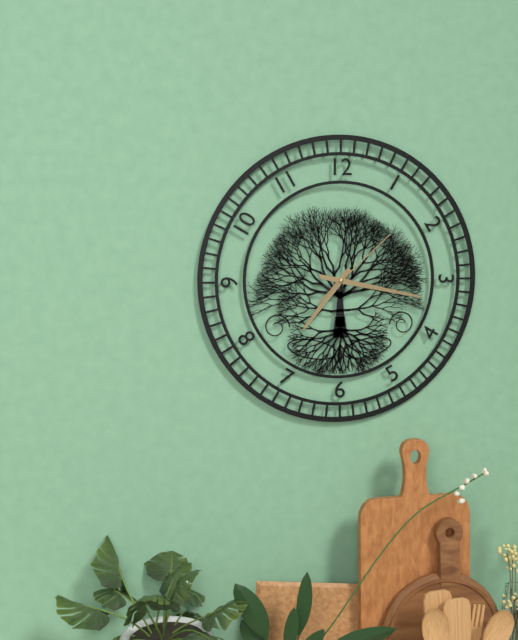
7:17:08
